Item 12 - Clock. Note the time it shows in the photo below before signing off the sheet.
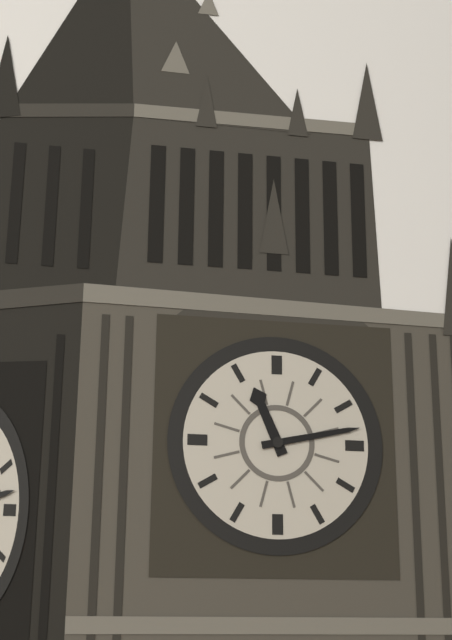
11:13
